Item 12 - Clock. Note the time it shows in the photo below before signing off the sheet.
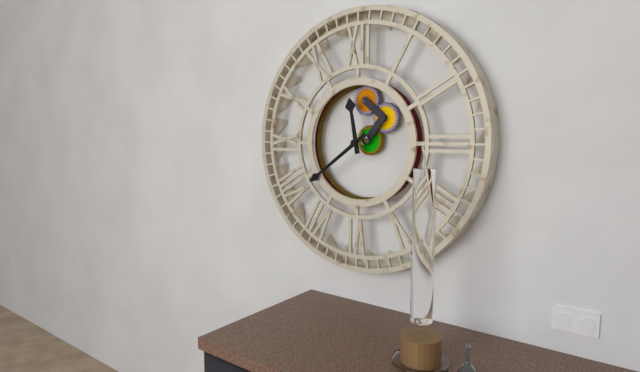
11:39
